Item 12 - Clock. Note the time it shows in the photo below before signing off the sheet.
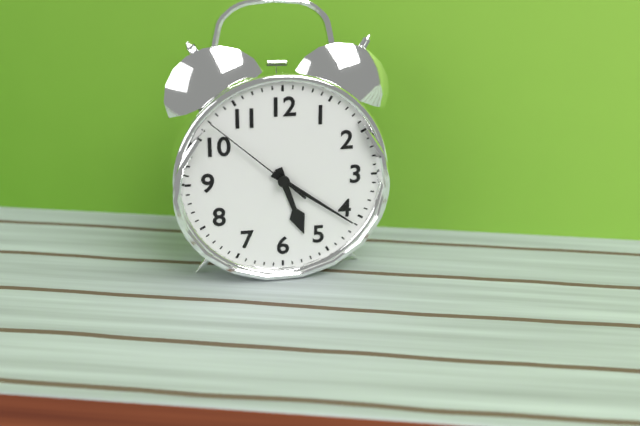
5:21:52
